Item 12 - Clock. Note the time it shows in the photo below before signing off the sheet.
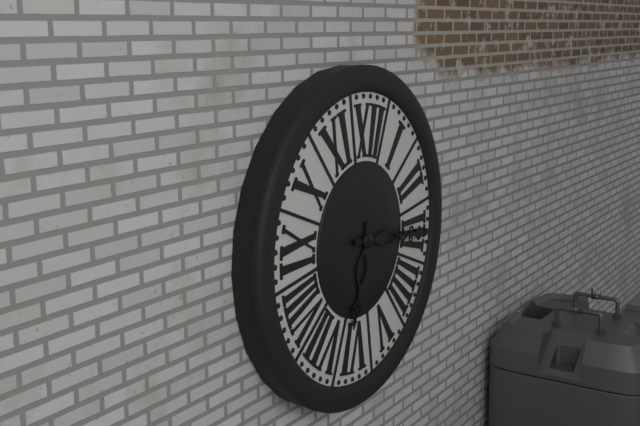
6:15
